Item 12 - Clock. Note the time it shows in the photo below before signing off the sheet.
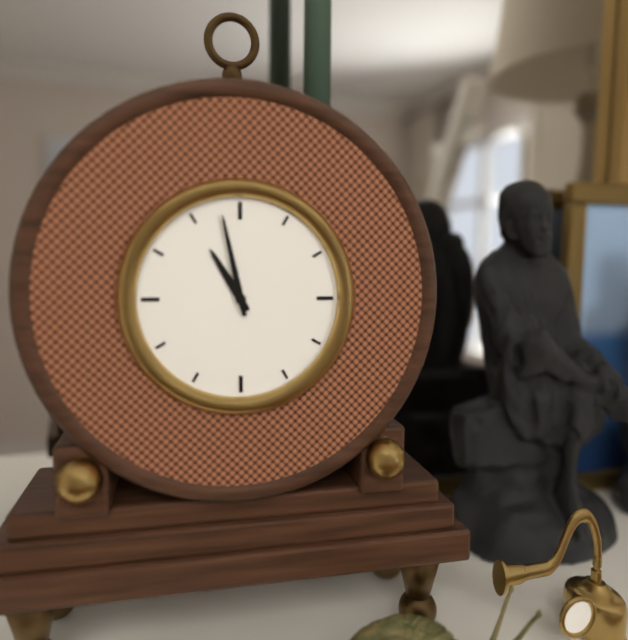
10:58
